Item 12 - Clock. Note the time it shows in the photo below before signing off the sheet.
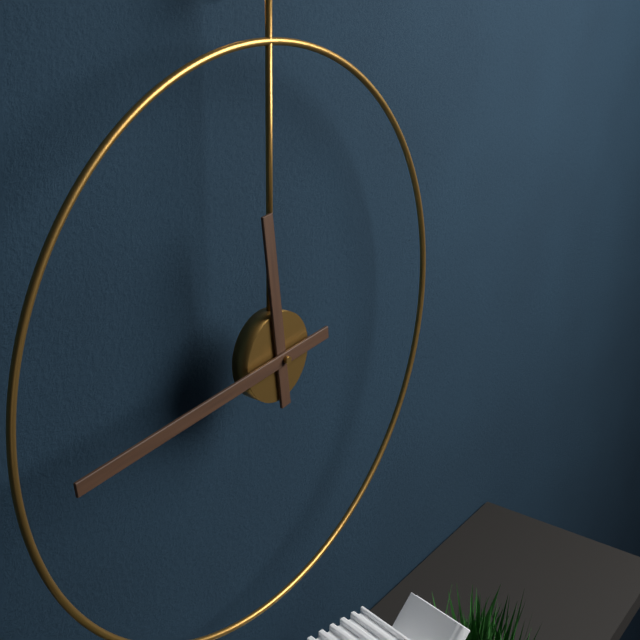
11:44
